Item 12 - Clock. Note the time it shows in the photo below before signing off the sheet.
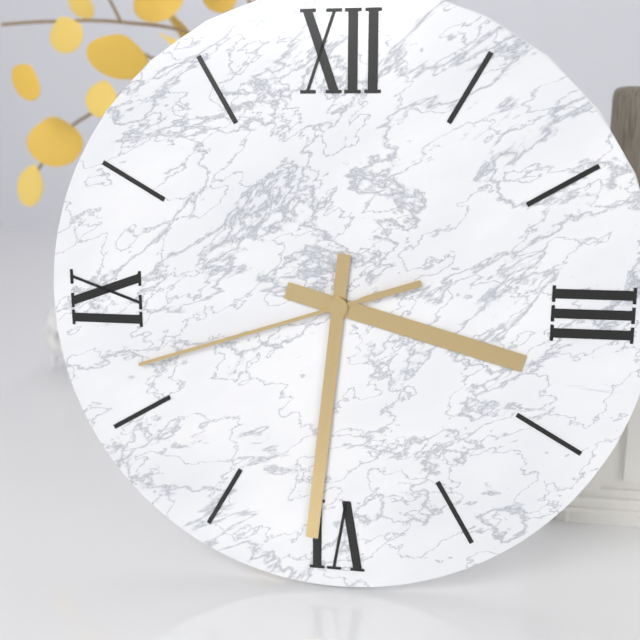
3:31:42
